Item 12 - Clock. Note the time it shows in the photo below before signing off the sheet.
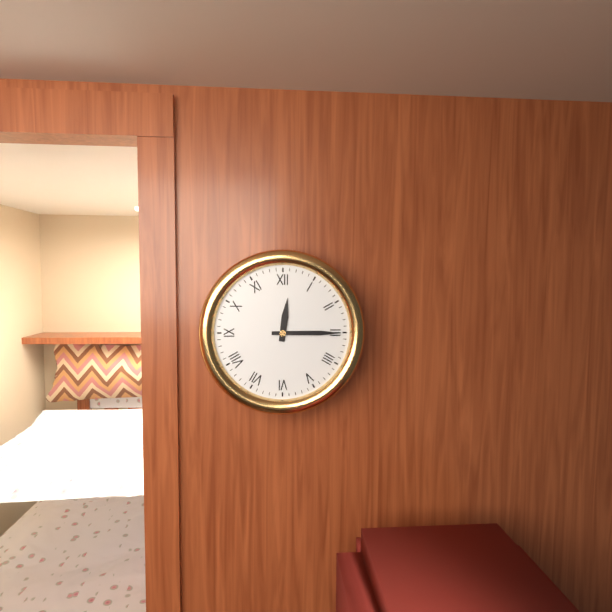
12:15
